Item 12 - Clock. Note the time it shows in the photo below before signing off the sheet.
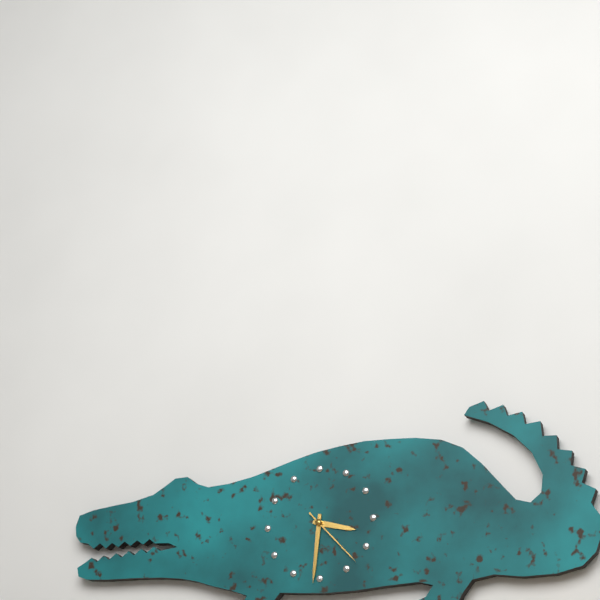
3:31:23
